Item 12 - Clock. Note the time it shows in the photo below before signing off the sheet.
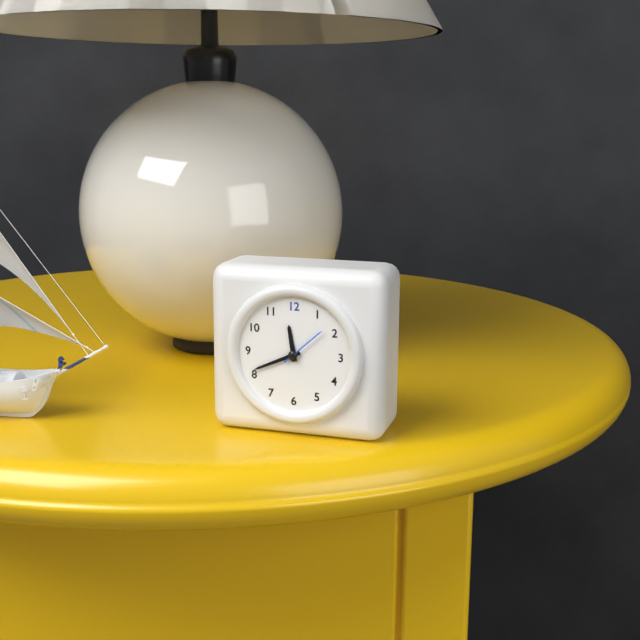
11:41
